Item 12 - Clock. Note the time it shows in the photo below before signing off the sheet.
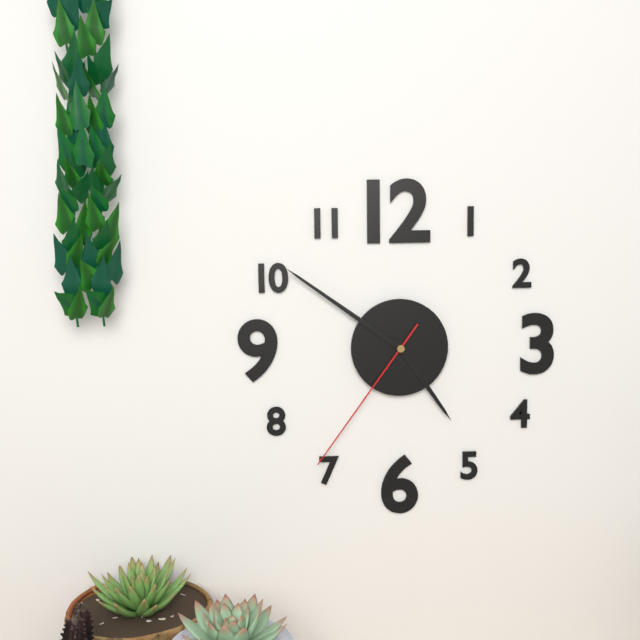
4:51:36
